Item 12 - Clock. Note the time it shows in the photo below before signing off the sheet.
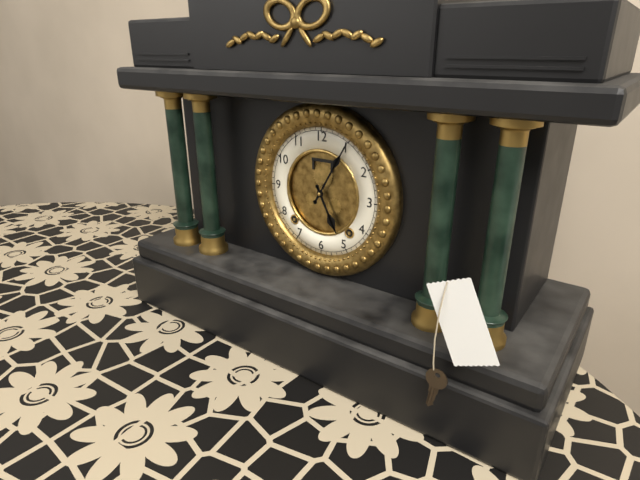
5:05
